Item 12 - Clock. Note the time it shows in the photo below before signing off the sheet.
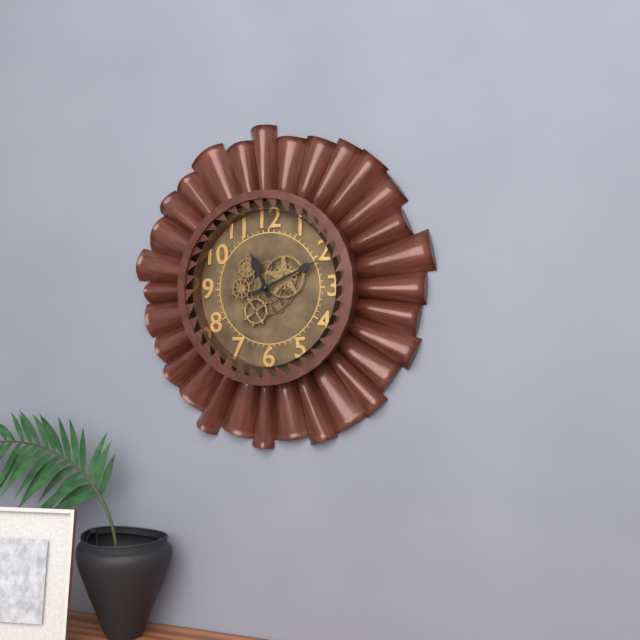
11:11
